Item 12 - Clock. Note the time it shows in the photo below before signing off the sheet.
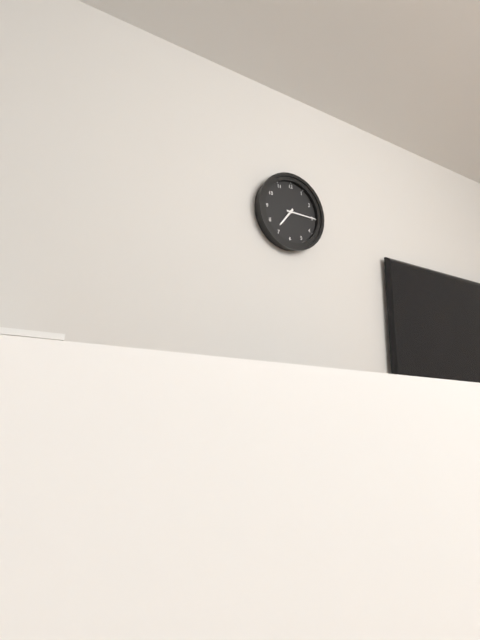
7:15
